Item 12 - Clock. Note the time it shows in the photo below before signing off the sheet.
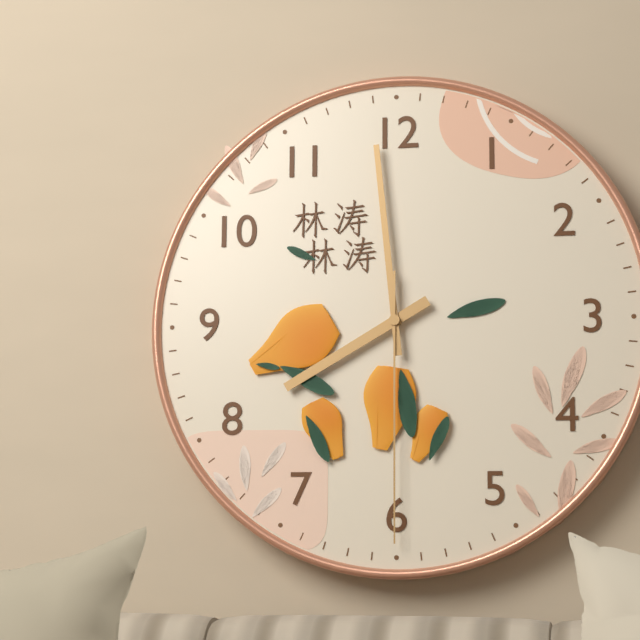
7:59:30
